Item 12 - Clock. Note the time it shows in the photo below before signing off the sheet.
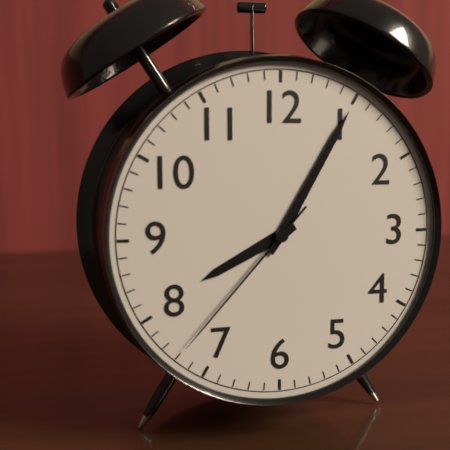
8:05:37
